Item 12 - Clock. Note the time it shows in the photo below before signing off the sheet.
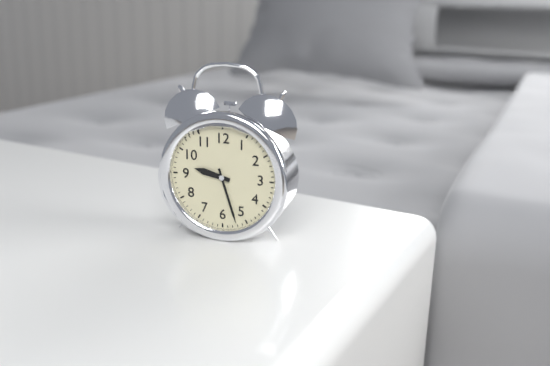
9:27
